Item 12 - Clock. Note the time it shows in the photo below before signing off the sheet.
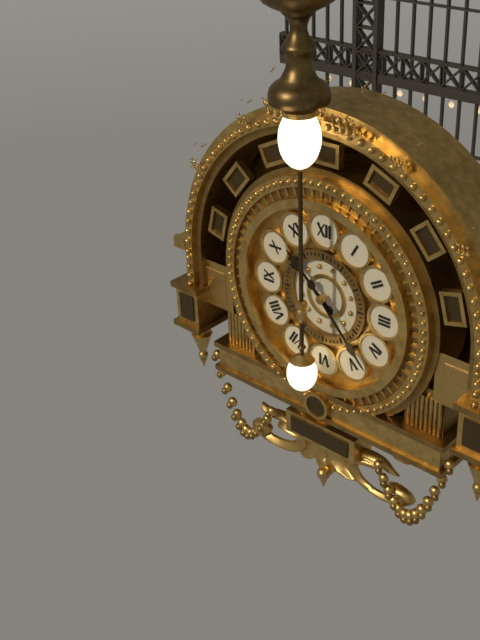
10:23
